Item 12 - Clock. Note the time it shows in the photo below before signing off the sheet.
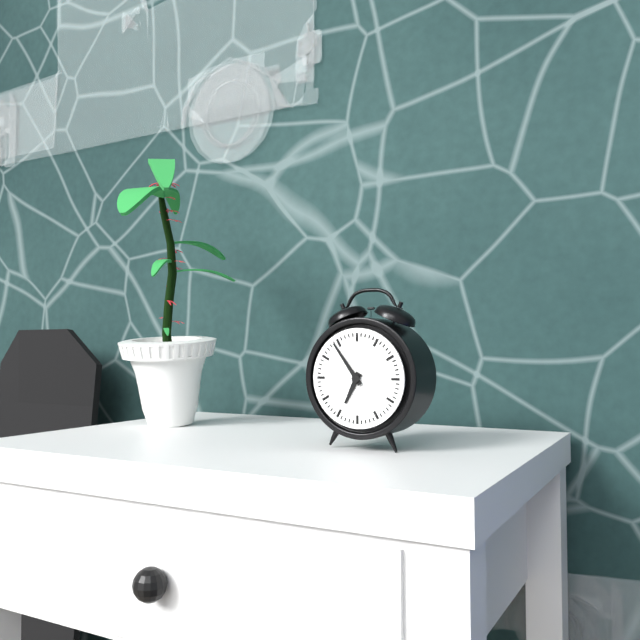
6:54
